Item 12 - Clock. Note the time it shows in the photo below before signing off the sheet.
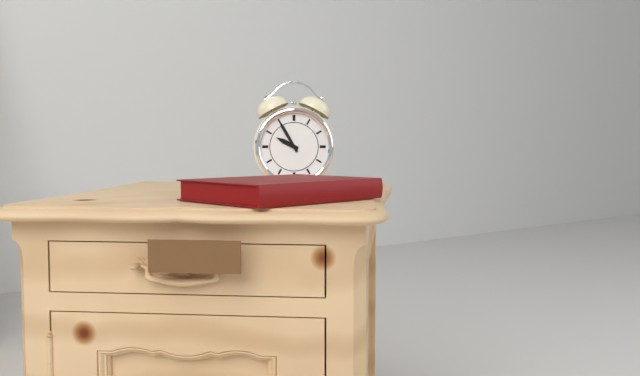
9:55
